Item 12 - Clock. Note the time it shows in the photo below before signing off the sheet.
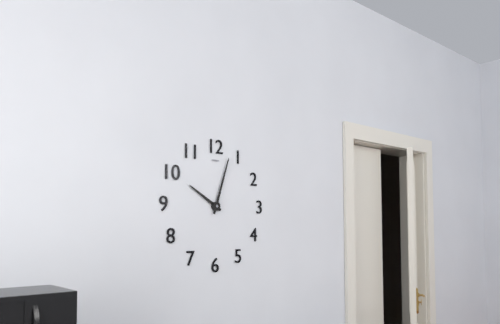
10:03
